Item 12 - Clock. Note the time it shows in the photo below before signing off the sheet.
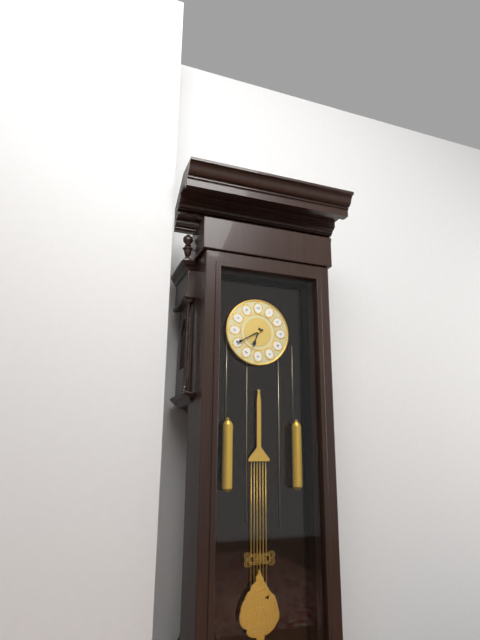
6:40
